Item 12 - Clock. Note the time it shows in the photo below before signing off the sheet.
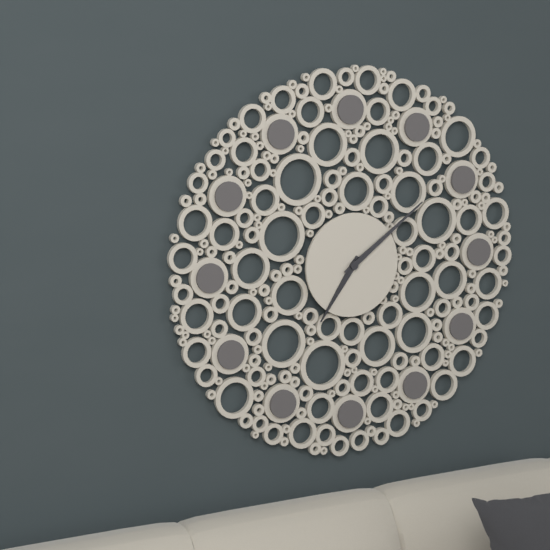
7:09
